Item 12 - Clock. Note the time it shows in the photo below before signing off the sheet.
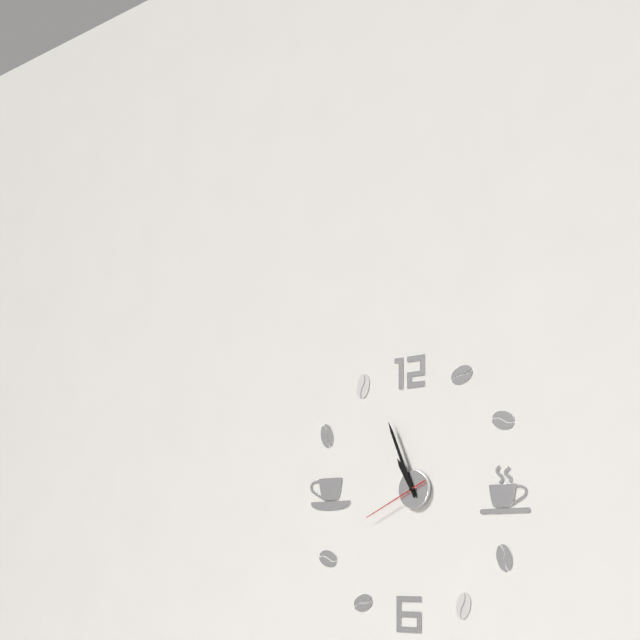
10:56:41
